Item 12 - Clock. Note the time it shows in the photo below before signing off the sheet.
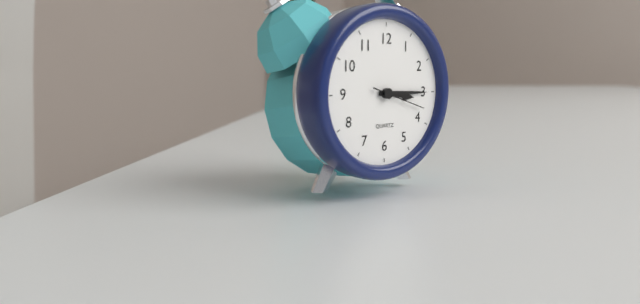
3:15:18
